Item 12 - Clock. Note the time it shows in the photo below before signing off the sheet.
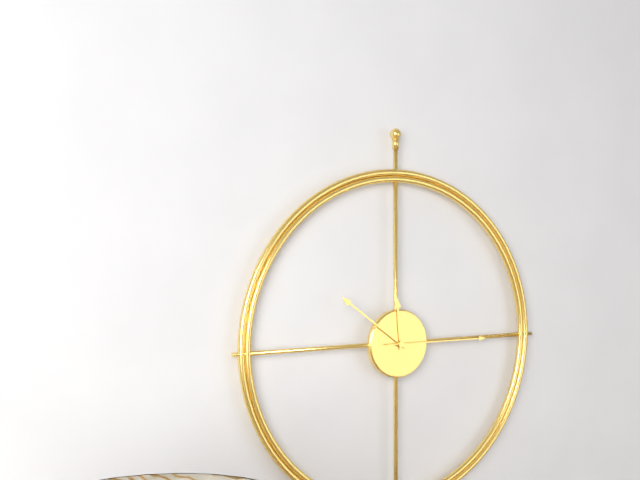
11:51:15
